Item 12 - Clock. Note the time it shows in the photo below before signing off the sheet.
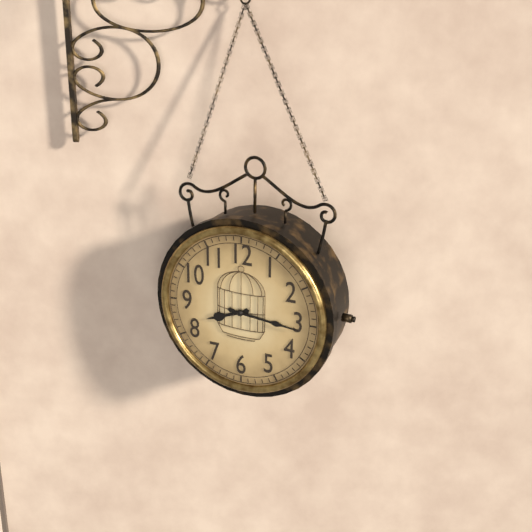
8:16
